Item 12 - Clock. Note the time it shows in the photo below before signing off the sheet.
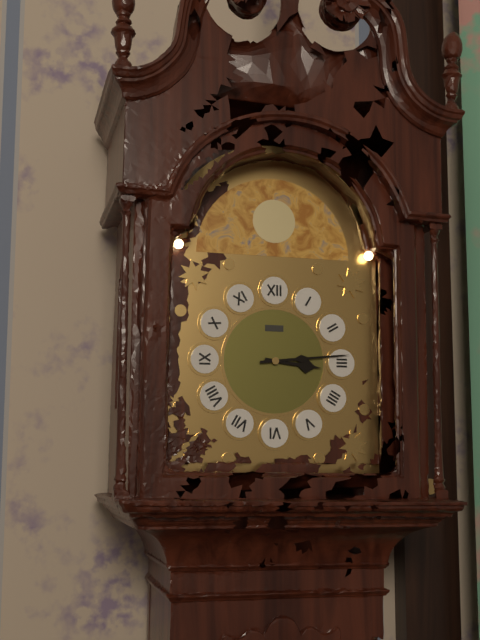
3:14
